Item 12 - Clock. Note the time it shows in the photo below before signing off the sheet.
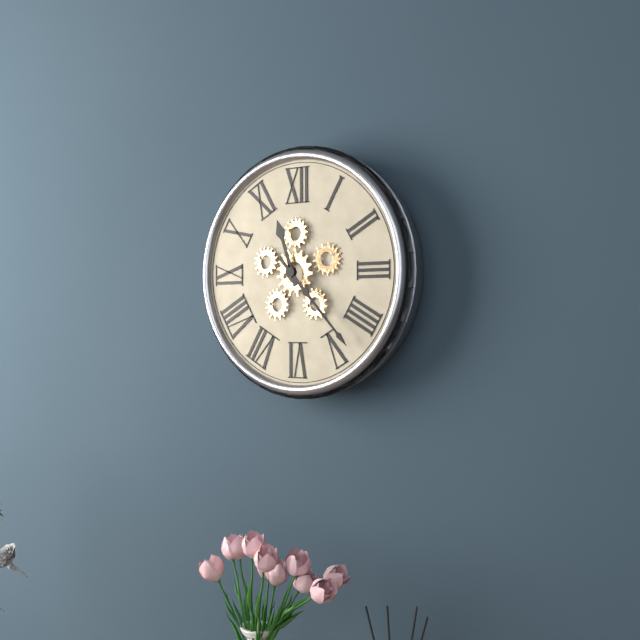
11:23
